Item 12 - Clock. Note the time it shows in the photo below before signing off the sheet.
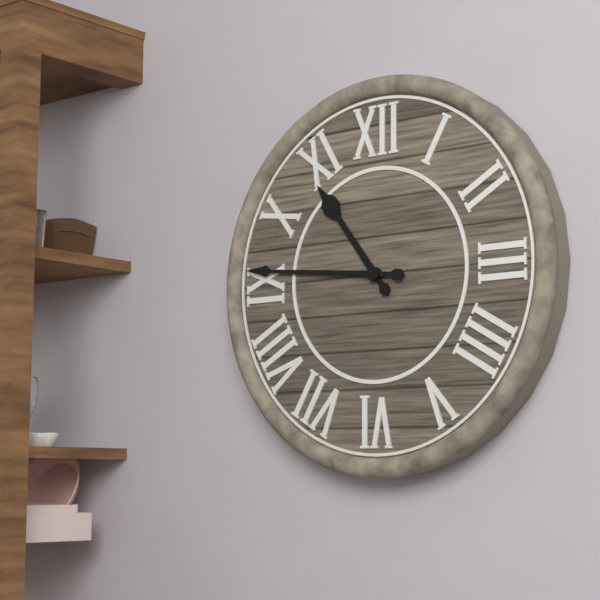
10:46
